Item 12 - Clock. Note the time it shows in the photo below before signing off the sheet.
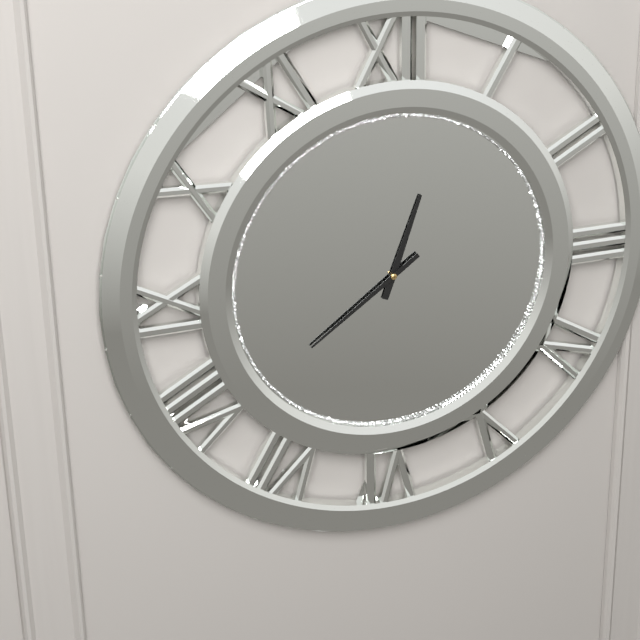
12:39
